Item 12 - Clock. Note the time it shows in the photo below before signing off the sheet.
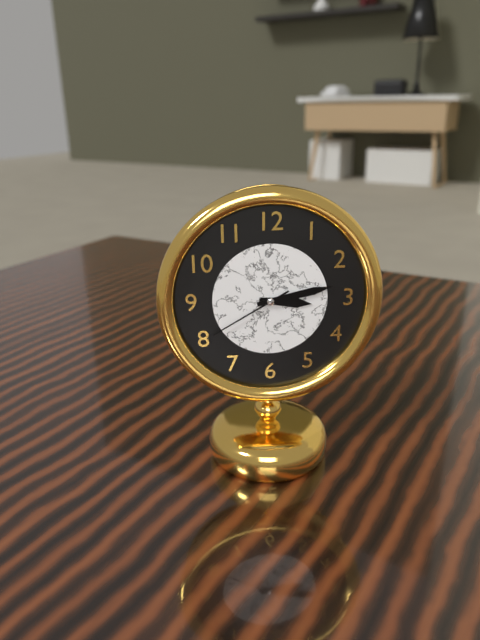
3:13:40
